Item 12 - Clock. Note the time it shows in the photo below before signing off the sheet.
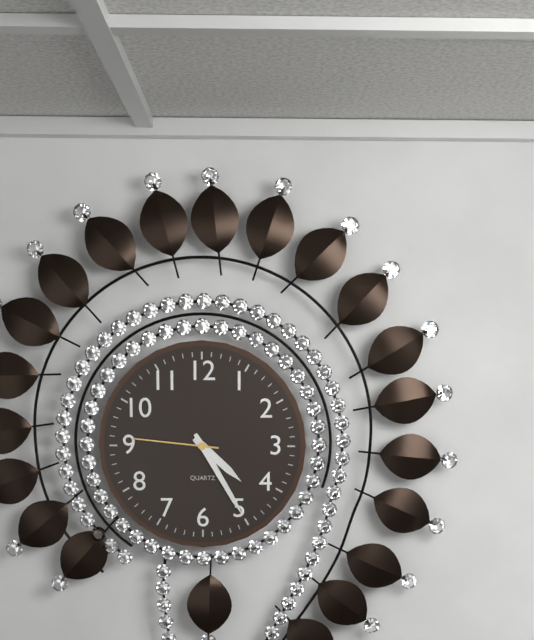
4:25:46
